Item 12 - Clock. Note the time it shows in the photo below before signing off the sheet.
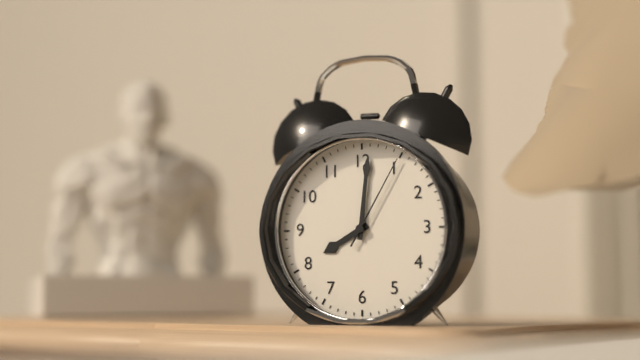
8:01:05
